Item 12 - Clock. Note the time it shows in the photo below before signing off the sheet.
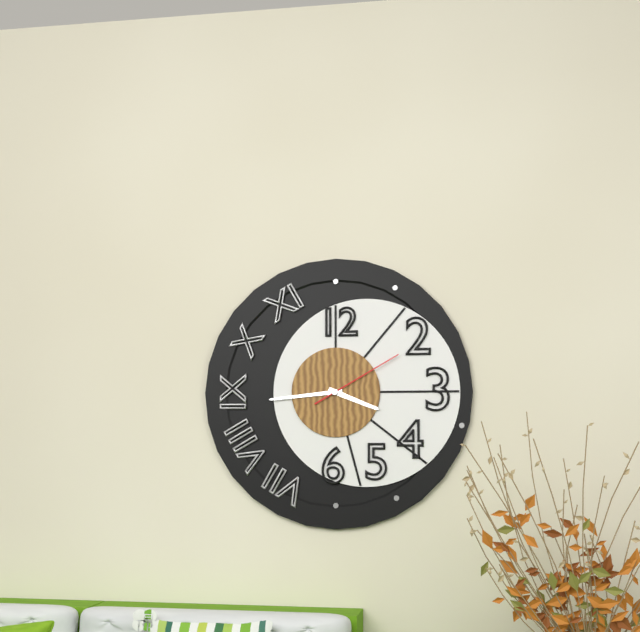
3:44:10
